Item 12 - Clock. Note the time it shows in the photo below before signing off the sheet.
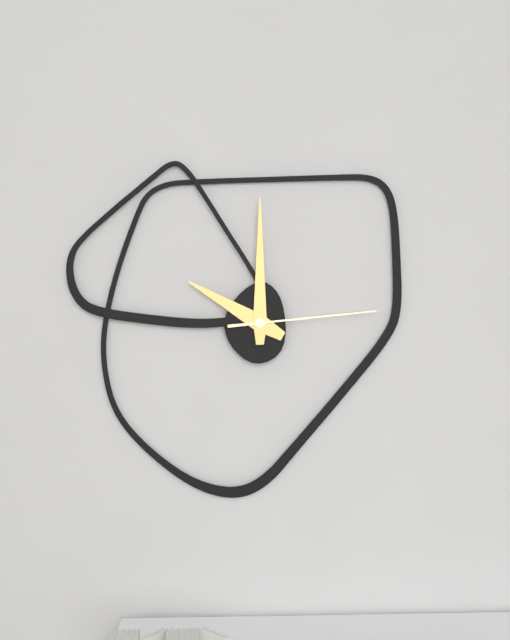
10:00:14
